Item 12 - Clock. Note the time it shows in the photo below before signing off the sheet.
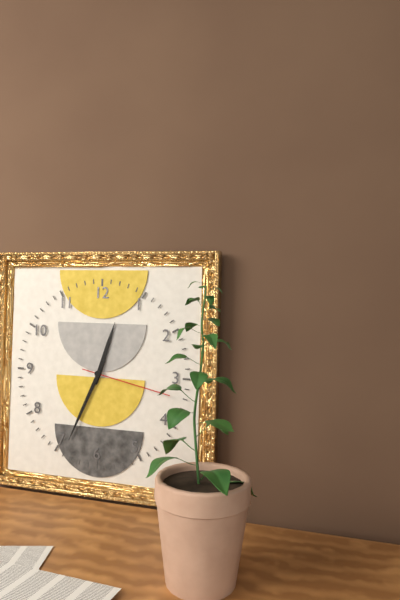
12:34:17
